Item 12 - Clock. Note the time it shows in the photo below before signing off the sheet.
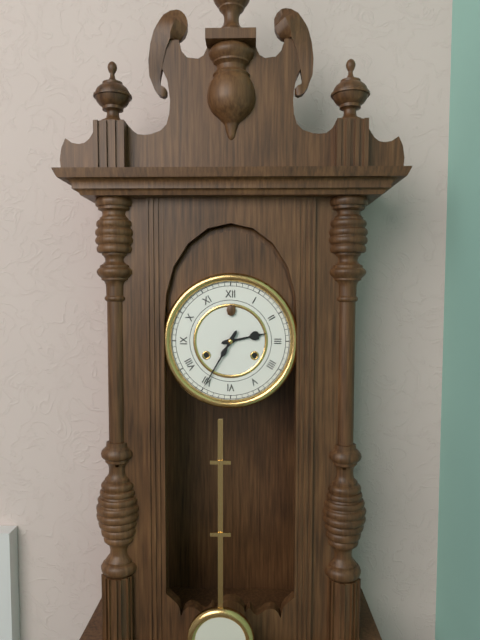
2:35
